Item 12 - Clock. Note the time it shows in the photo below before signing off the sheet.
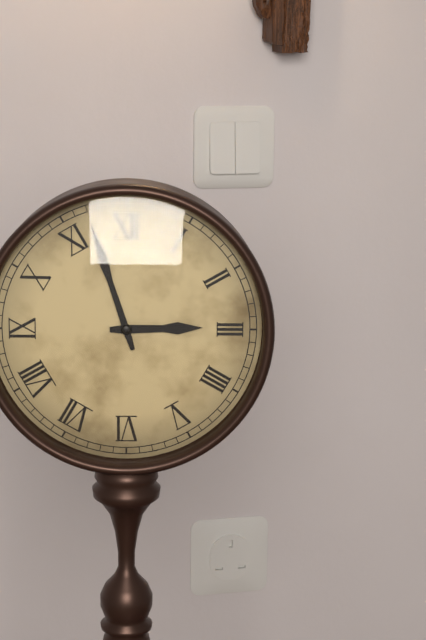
2:57
